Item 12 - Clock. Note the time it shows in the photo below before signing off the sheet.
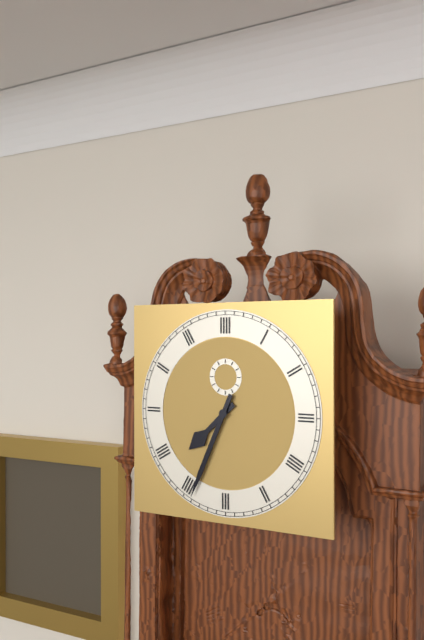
7:34
